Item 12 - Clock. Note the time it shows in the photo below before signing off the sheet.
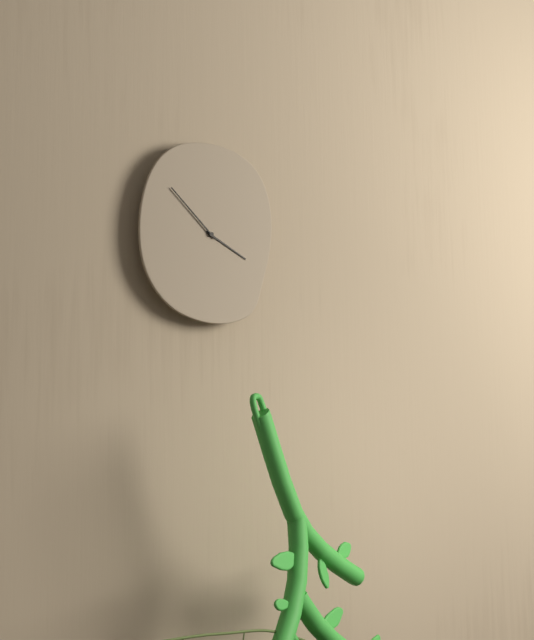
3:52
